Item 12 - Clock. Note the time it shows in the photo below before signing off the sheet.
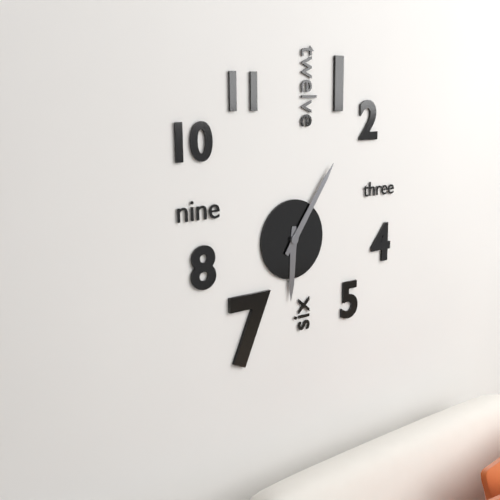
6:06
